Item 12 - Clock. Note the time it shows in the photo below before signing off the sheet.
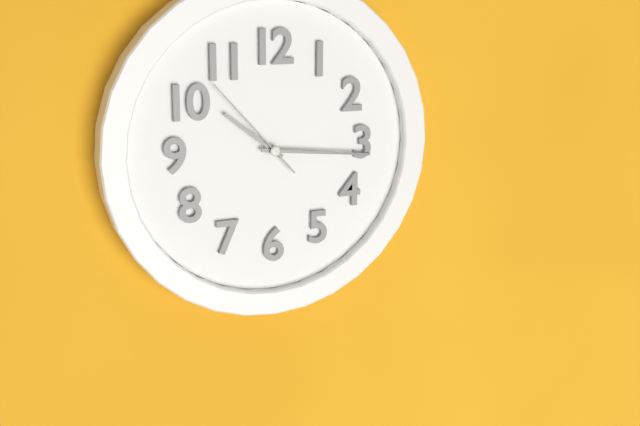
10:16:53
